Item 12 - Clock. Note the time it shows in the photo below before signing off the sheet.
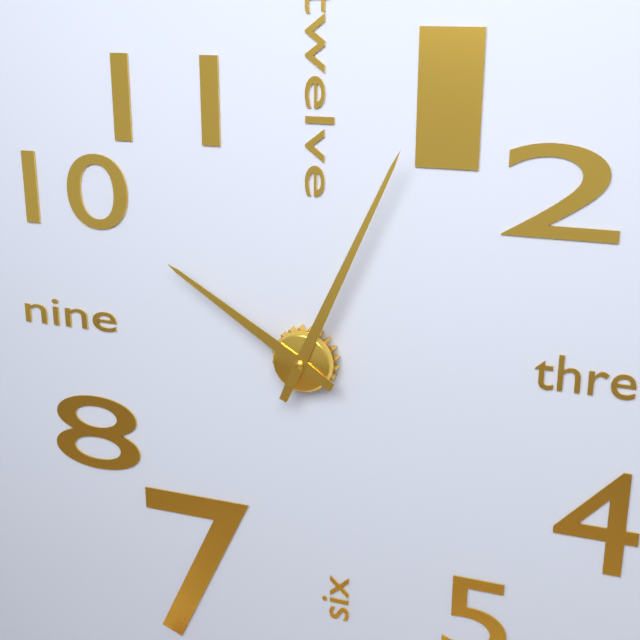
10:04
